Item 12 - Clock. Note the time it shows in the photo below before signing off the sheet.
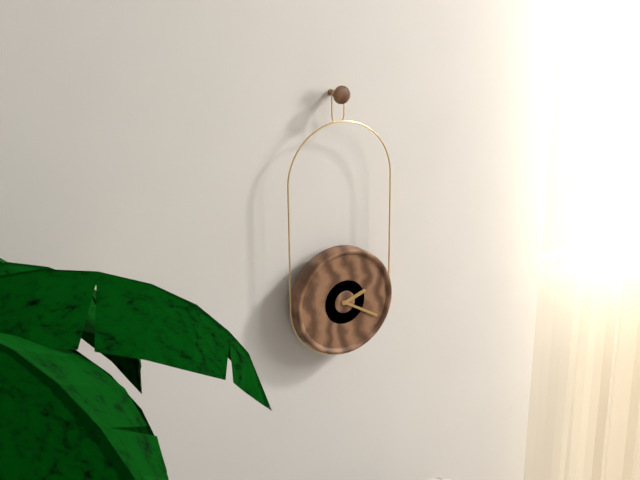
2:20
